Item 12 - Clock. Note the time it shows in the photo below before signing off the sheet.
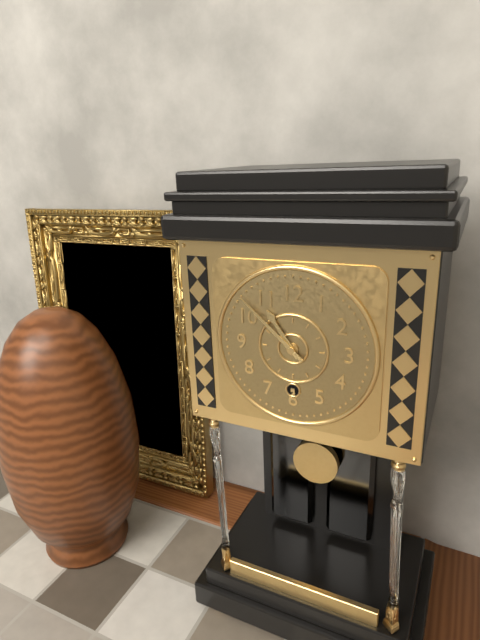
10:52
